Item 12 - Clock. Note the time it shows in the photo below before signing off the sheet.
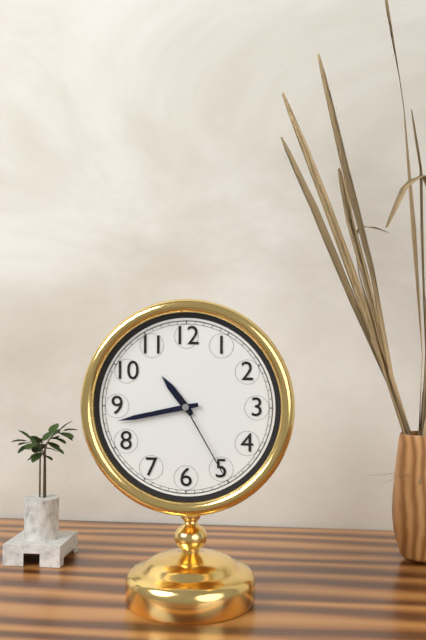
10:43:25
